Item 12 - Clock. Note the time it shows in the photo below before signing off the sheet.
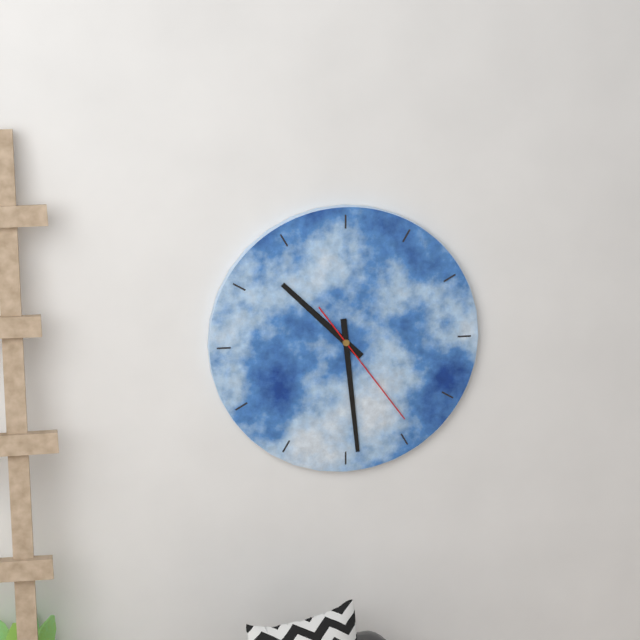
10:29:24
